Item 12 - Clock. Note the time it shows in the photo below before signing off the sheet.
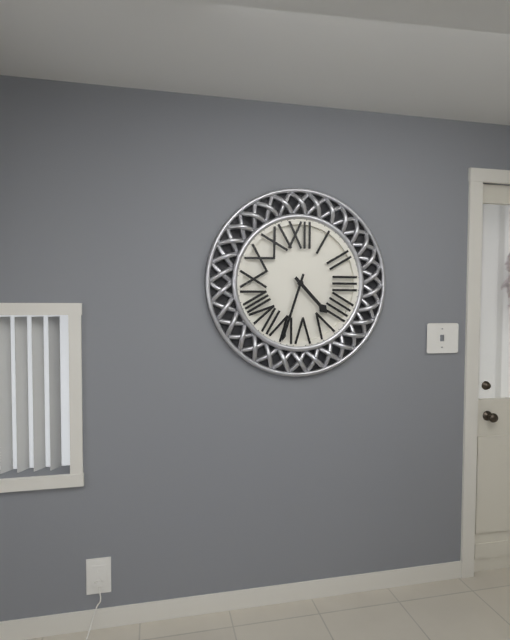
4:33
